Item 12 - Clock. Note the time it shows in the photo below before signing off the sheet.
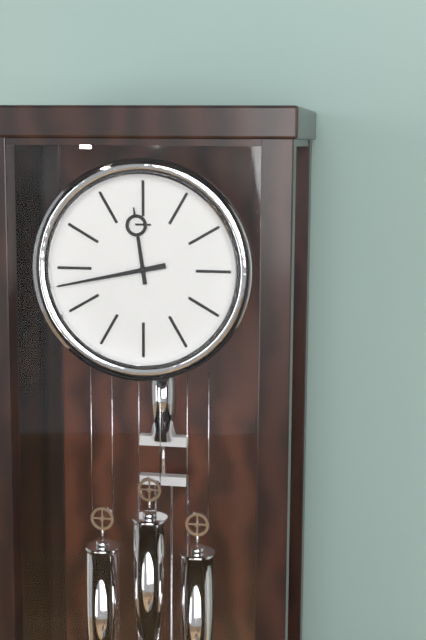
11:43
